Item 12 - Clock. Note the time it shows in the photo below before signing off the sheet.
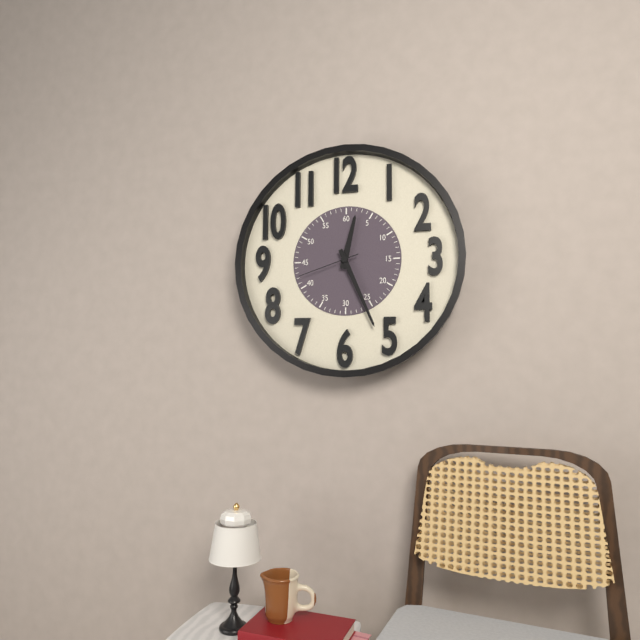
12:26:42
